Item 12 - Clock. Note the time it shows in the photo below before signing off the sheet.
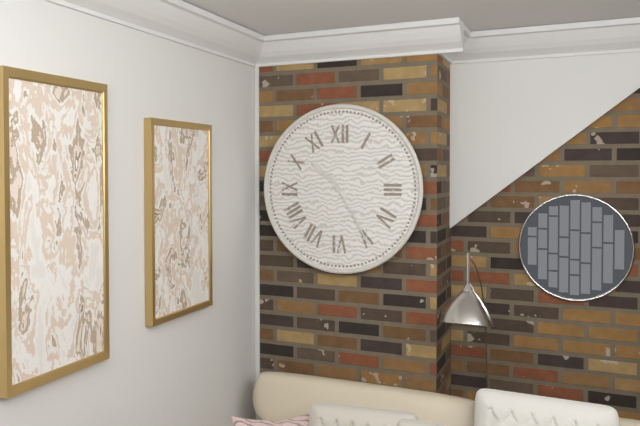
10:25
